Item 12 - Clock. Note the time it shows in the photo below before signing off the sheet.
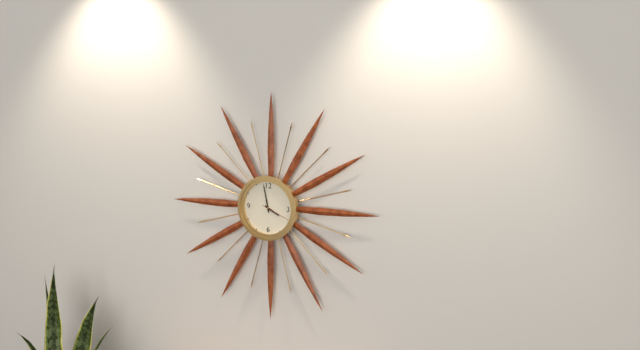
3:58
